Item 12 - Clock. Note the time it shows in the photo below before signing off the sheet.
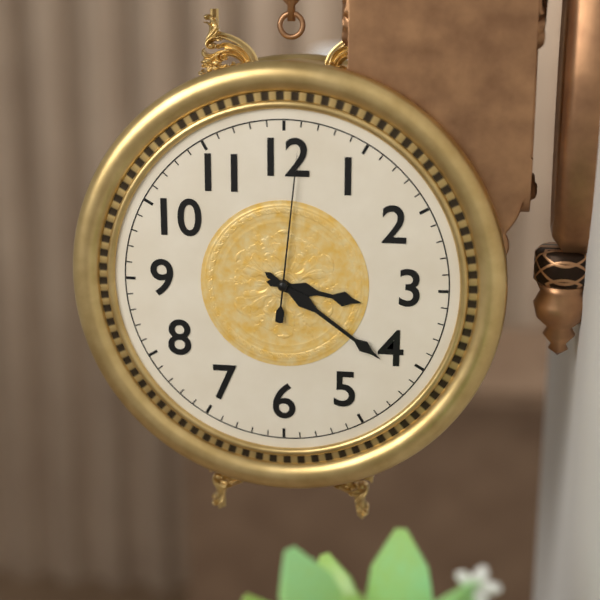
3:21:01
